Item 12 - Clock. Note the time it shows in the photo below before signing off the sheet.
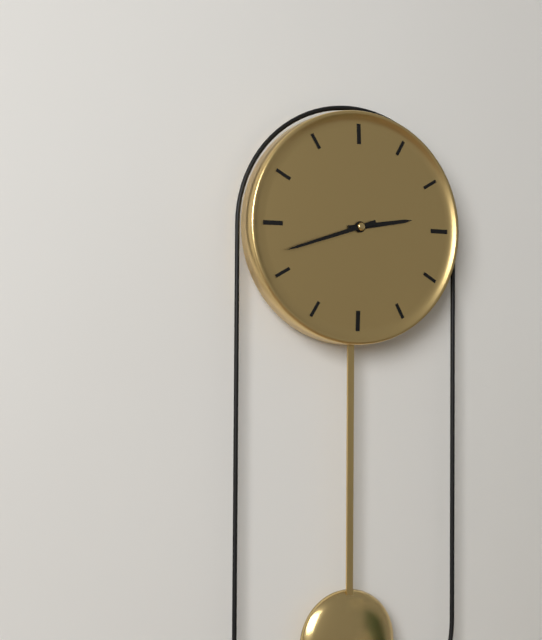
2:42
